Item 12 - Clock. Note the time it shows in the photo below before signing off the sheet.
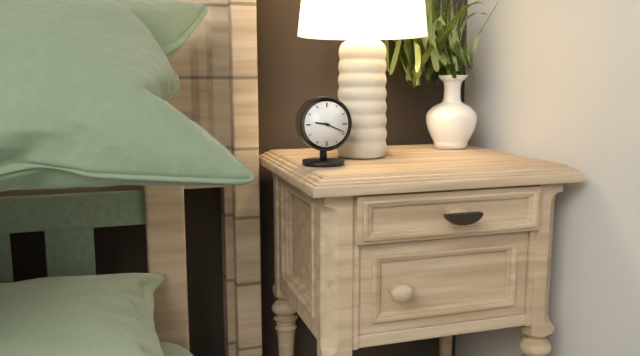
9:19
